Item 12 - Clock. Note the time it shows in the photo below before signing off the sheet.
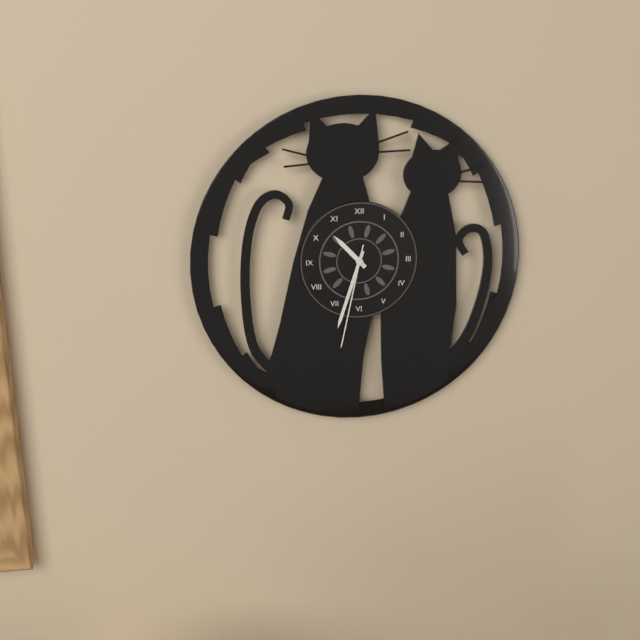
10:33:32
